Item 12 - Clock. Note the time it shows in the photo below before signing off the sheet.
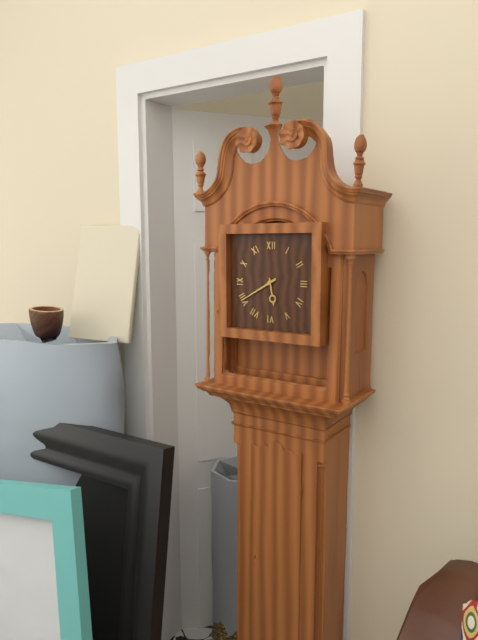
5:40
